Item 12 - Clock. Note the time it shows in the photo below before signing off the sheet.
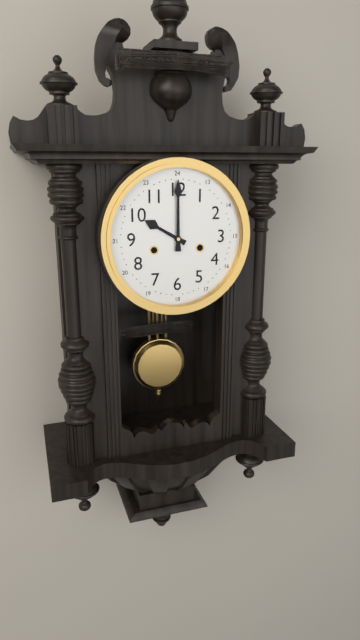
10:00
